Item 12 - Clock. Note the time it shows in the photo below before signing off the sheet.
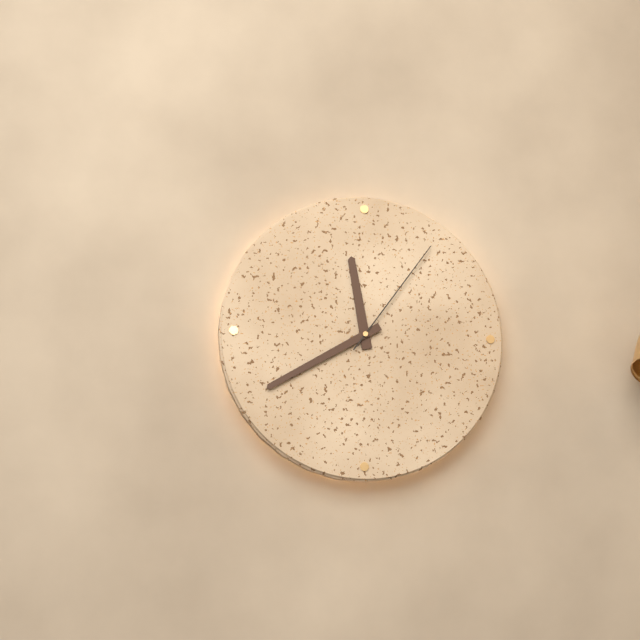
11:40:06
